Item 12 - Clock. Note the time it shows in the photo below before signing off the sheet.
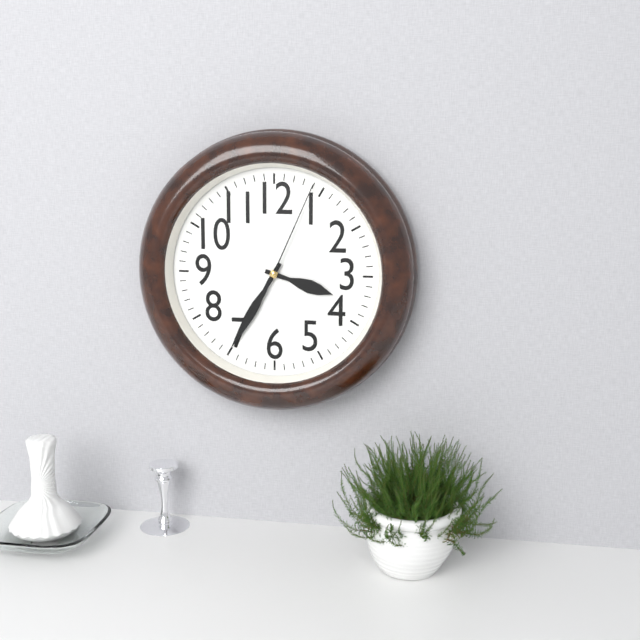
3:35:04
